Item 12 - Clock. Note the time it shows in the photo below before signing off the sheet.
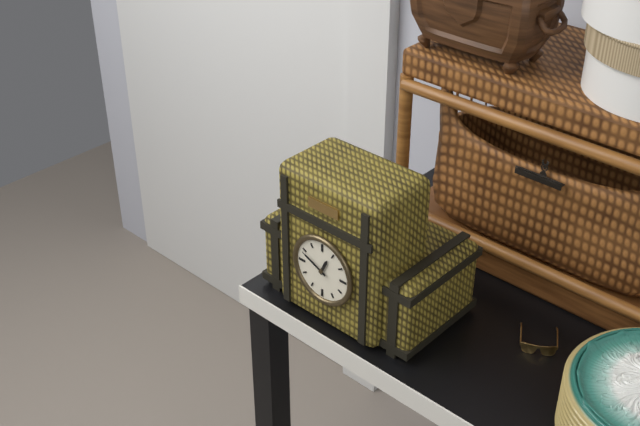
12:49
